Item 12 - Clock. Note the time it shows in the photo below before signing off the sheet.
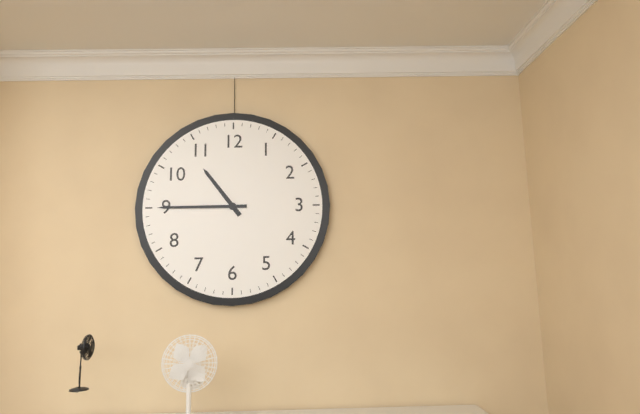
10:45
